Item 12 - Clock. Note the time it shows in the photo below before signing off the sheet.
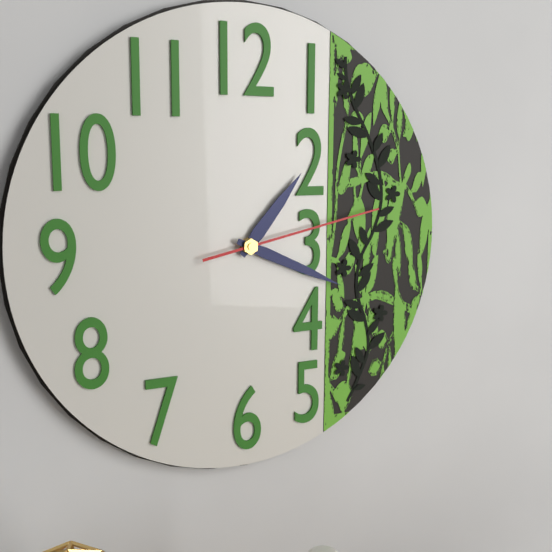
1:19:13
